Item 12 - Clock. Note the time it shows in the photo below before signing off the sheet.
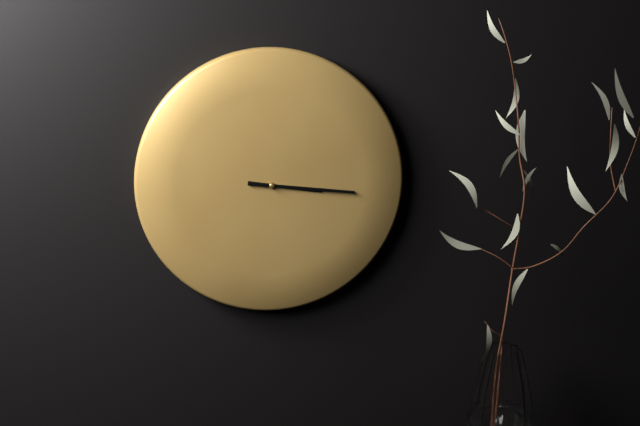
3:16
